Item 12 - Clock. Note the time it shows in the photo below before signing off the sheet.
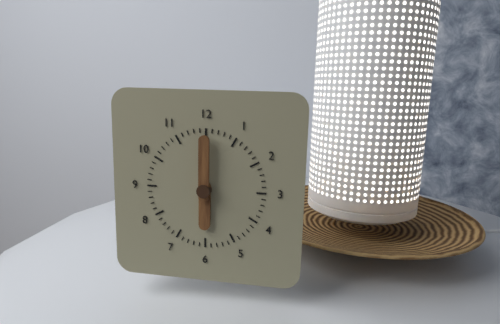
6:00
